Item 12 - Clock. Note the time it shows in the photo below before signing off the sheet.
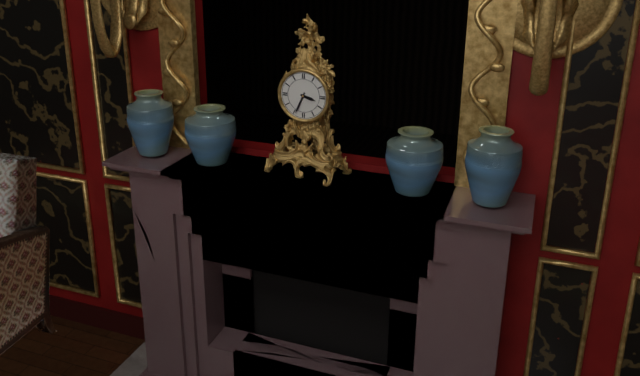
3:34
